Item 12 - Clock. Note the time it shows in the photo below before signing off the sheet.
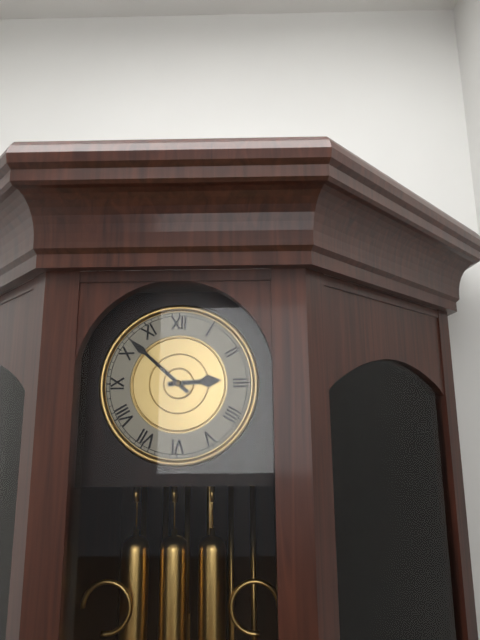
2:52
